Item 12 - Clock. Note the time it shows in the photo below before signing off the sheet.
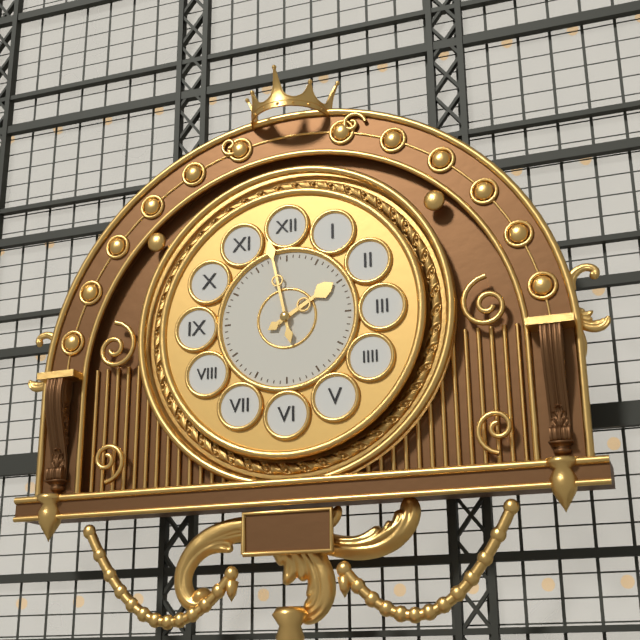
1:58
